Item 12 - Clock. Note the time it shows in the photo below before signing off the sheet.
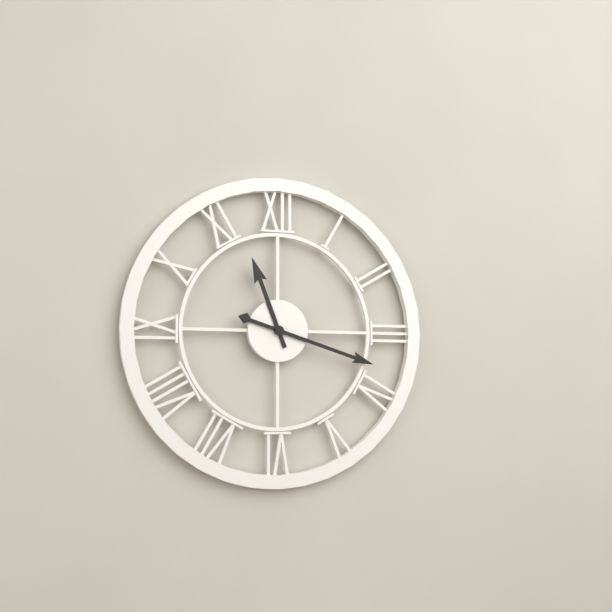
11:18
